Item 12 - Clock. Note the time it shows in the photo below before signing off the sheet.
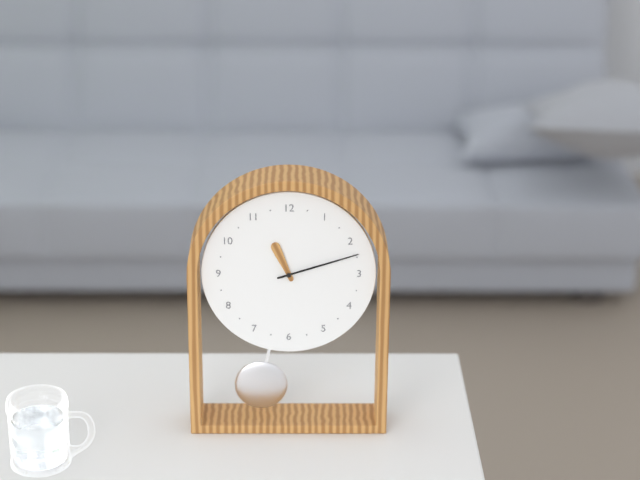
11:12
